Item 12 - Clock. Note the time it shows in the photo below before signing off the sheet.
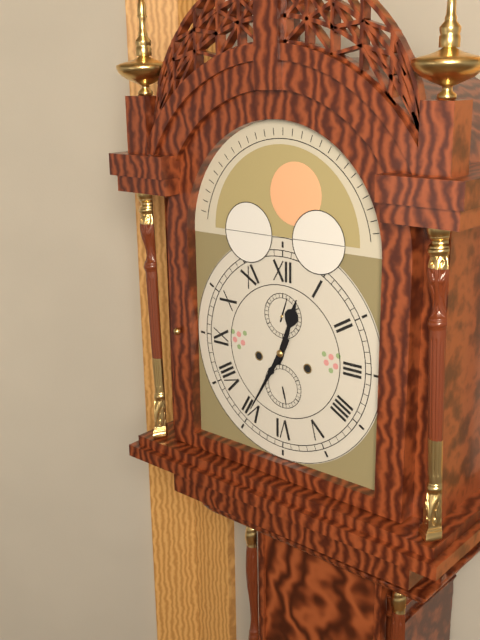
12:35
